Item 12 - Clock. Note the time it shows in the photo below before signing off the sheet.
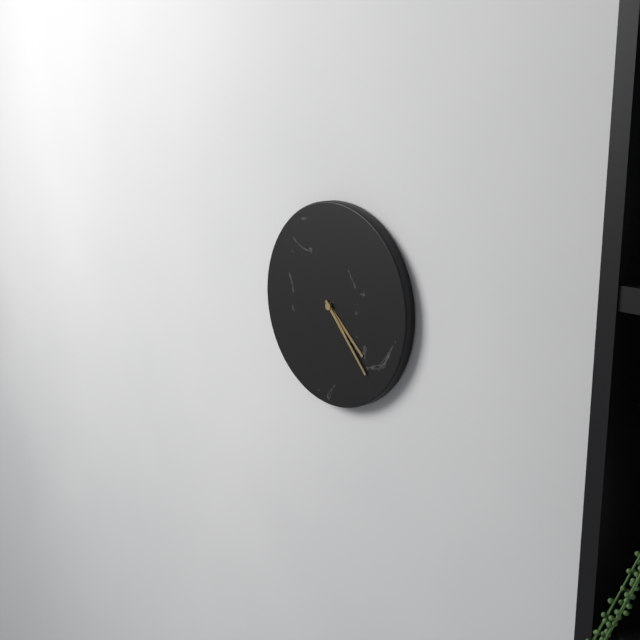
4:23
